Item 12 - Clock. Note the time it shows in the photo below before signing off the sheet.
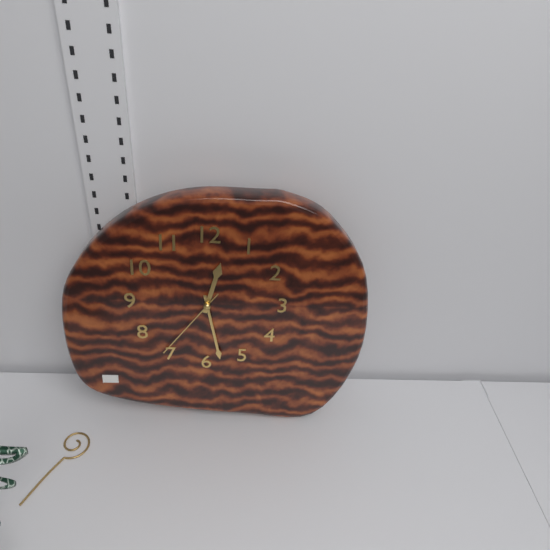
12:28:36
